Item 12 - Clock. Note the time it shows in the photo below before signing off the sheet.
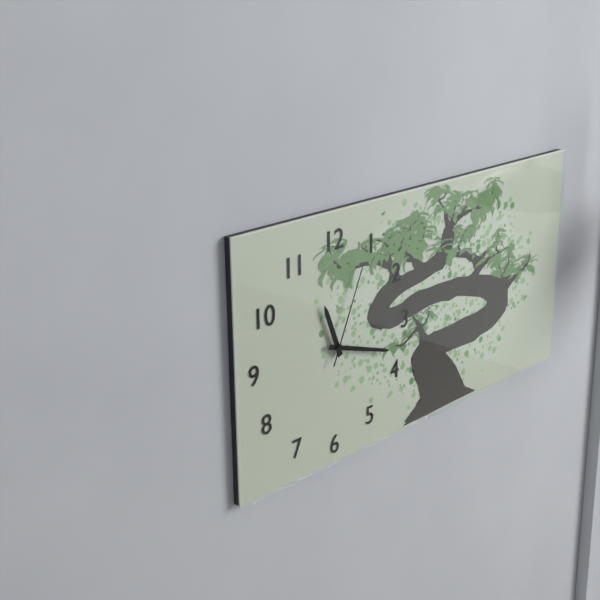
11:18:04
